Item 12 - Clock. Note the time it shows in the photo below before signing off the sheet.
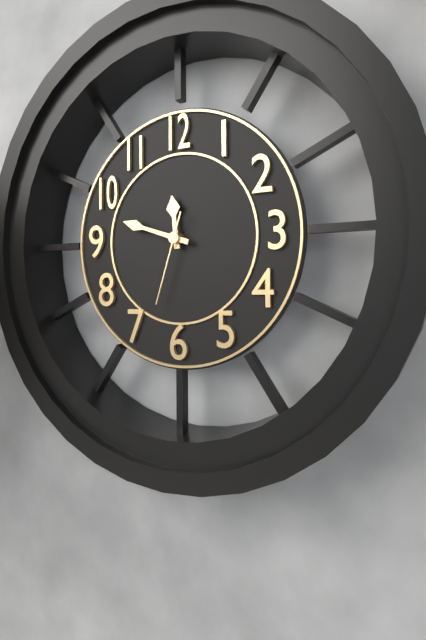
11:48:33
